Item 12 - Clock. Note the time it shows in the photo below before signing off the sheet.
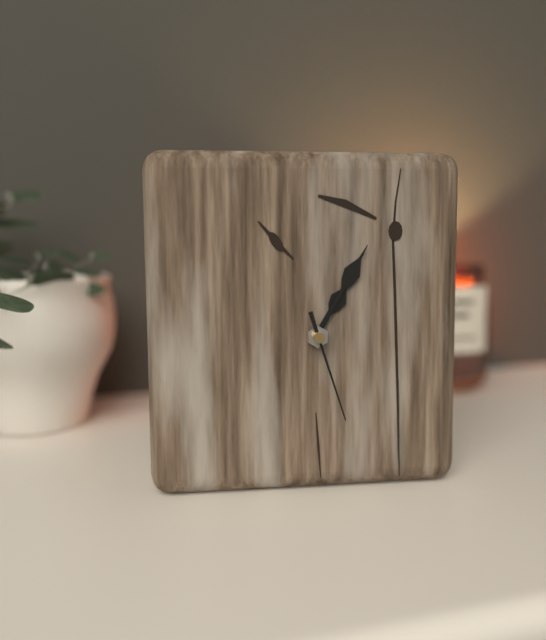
1:05:27
